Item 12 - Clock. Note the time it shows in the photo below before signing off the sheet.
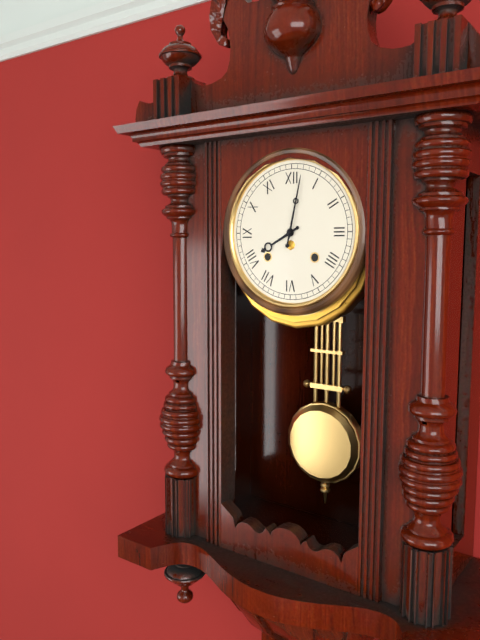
8:02
